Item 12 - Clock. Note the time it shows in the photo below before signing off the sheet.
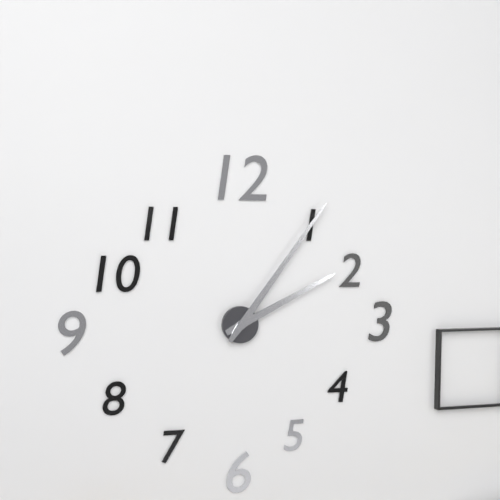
2:06
